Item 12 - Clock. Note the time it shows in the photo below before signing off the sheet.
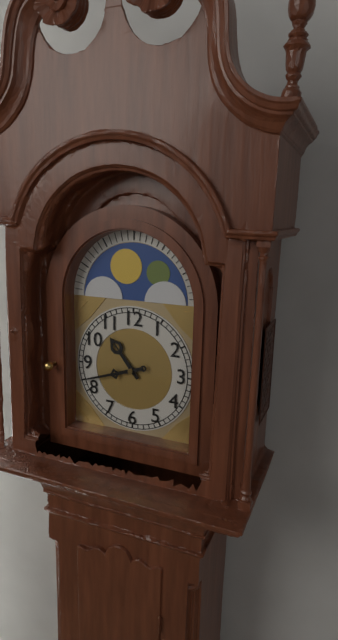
10:42
